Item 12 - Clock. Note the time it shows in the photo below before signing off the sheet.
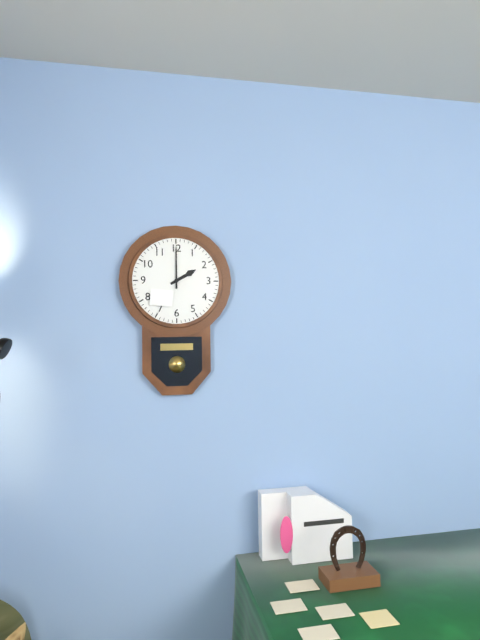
2:00
